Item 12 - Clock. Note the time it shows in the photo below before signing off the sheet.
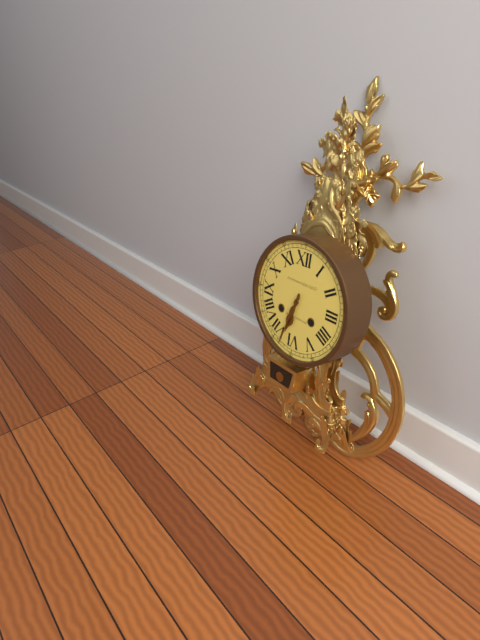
6:33
